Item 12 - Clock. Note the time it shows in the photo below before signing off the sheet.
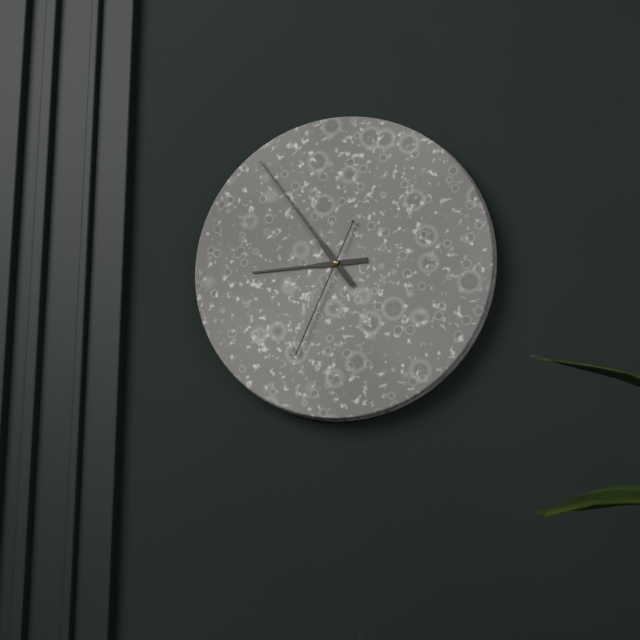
8:54:34
